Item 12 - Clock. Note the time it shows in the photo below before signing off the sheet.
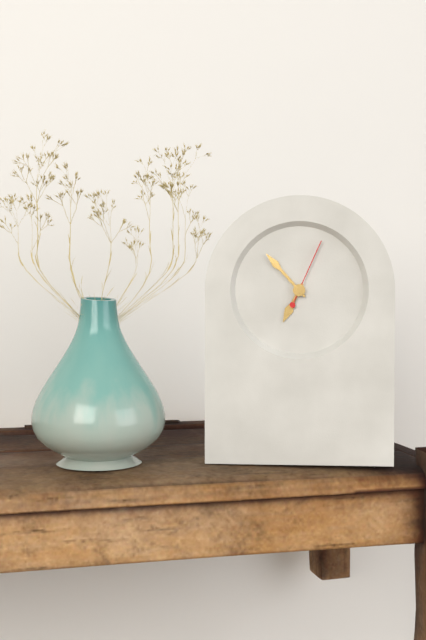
6:53:04
